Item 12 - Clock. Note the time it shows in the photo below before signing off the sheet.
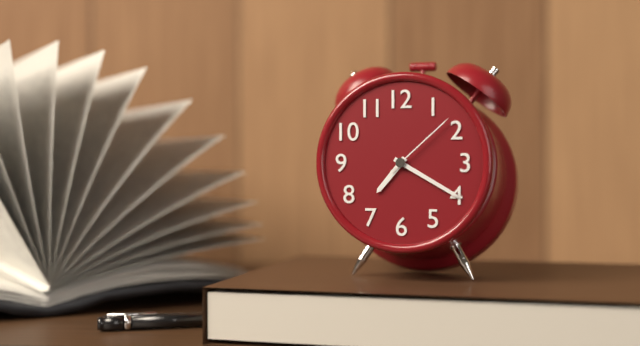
7:20:08
